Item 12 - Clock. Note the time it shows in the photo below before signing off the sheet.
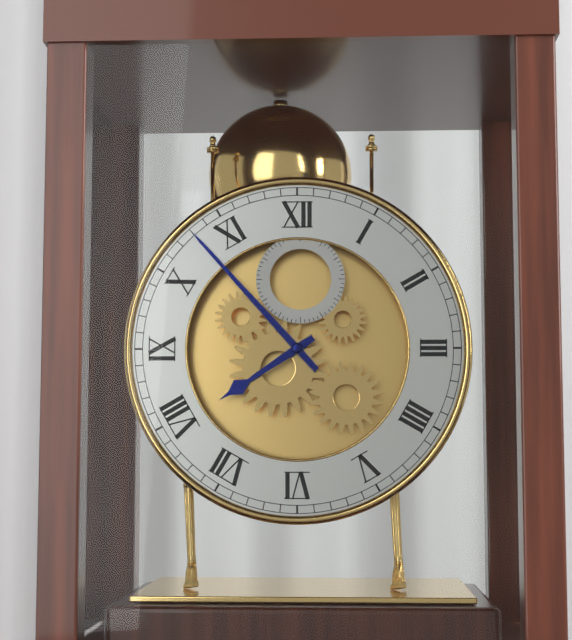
7:53
